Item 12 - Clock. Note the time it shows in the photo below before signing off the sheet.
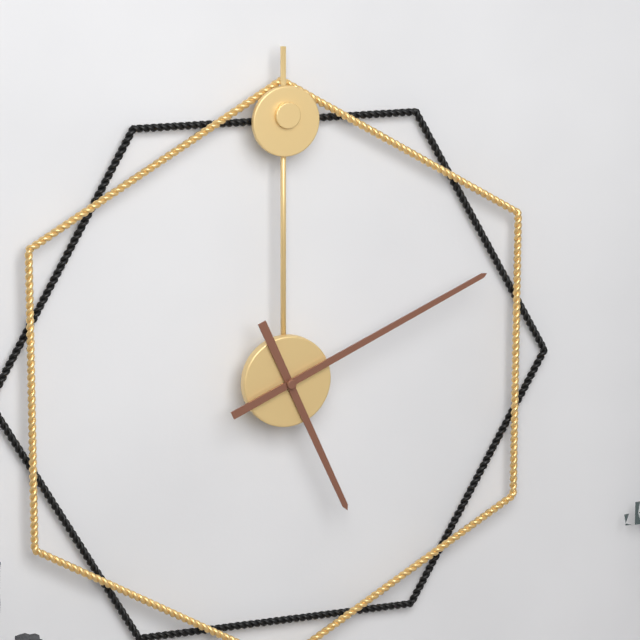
5:11
